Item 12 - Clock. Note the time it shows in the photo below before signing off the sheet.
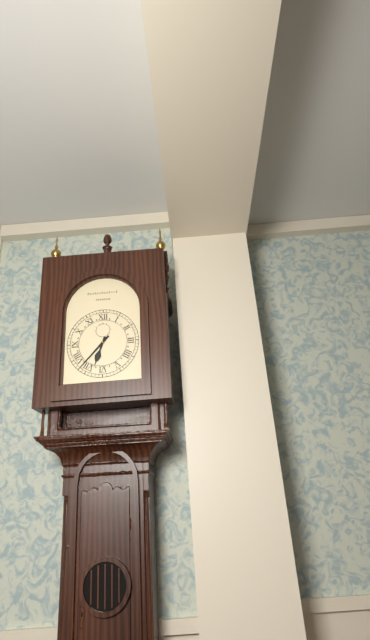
6:37
